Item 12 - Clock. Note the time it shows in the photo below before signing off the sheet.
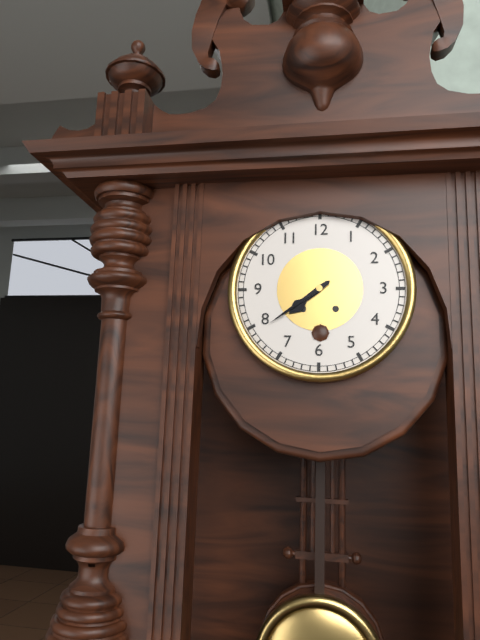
7:39
